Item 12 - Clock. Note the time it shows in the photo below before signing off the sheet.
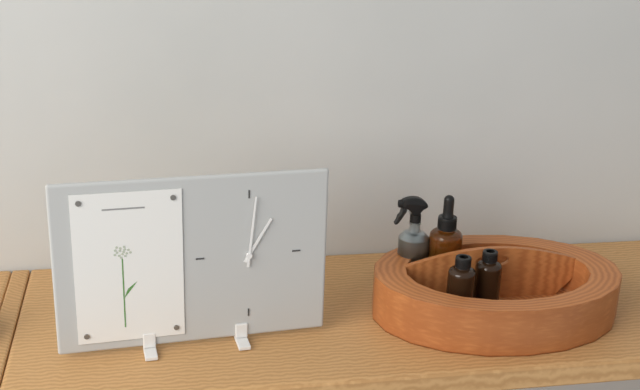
1:01
